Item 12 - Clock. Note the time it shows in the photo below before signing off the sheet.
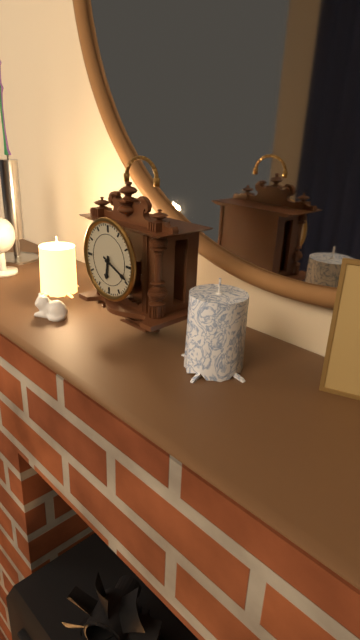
6:19
